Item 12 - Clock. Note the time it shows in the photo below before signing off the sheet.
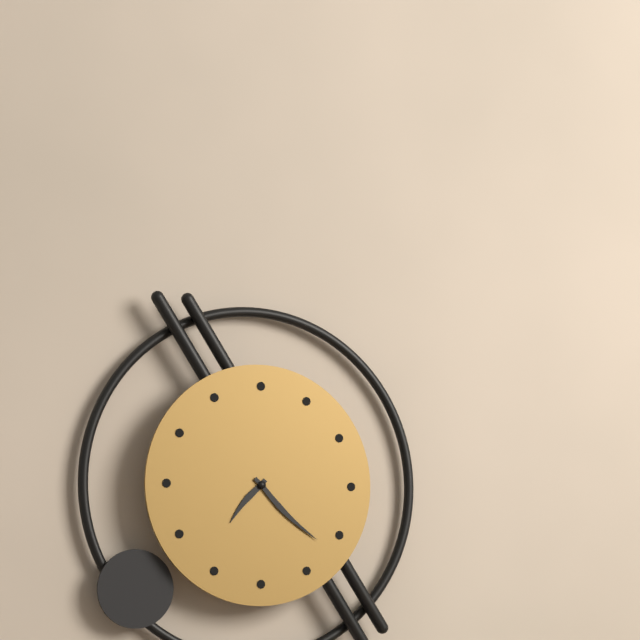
7:22
